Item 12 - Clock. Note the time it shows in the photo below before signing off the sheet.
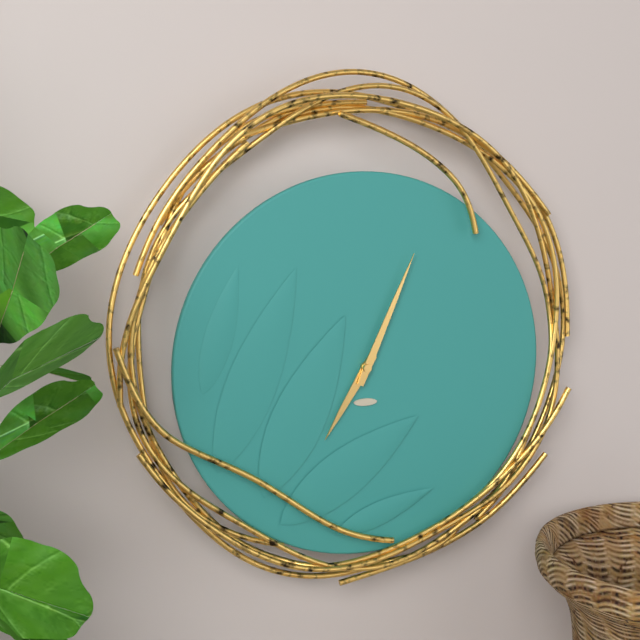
7:04
